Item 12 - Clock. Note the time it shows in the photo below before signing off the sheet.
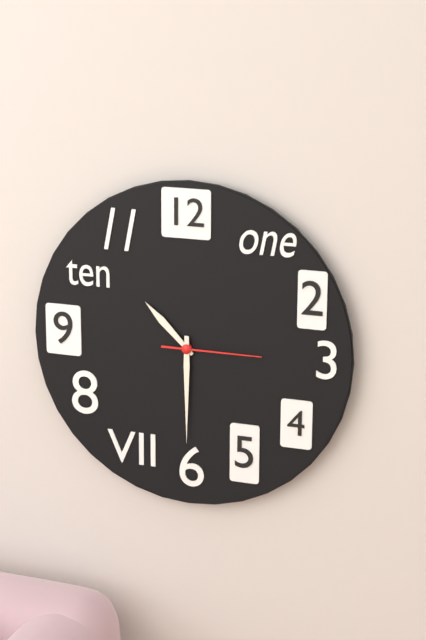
10:30:15
